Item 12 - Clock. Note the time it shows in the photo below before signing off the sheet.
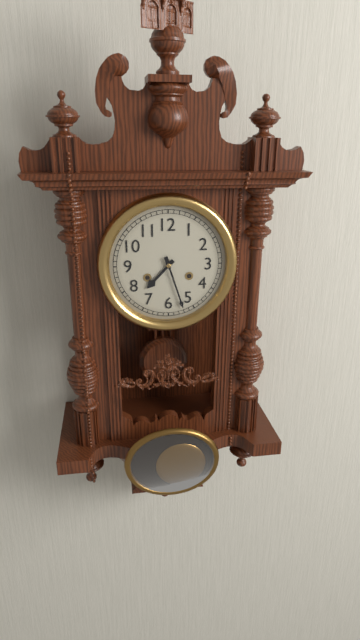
7:27
